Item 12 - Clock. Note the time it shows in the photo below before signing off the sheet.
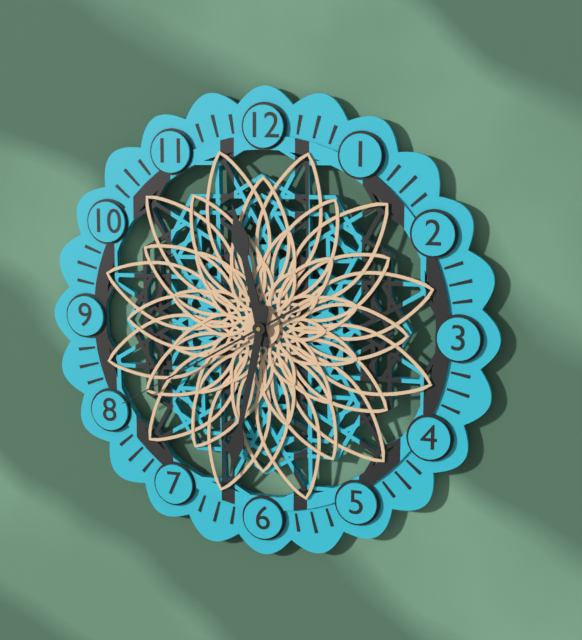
11:32:40
